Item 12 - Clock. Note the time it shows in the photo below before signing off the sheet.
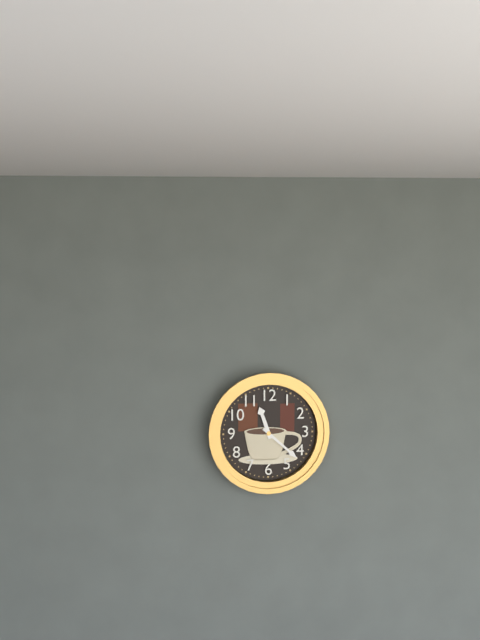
11:22
